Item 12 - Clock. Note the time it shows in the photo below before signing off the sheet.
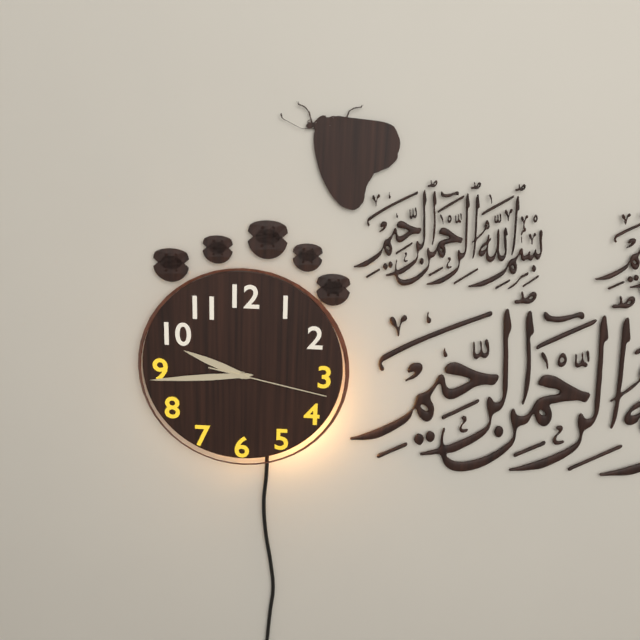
9:44:17
